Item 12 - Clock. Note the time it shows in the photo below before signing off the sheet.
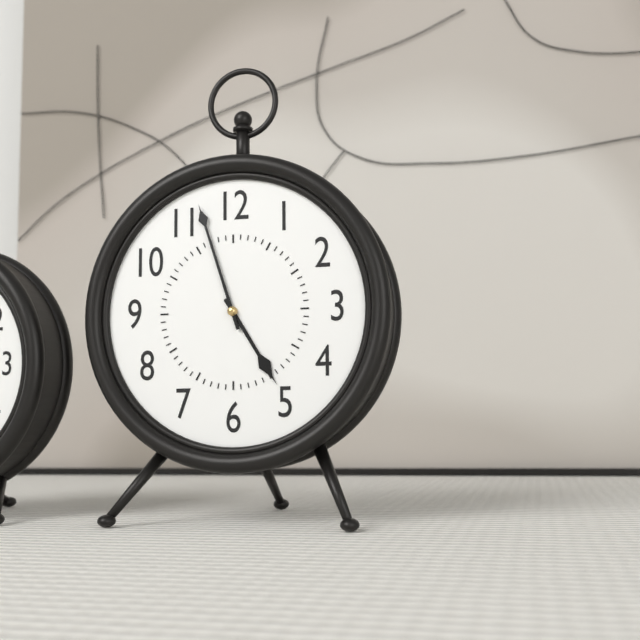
4:57
